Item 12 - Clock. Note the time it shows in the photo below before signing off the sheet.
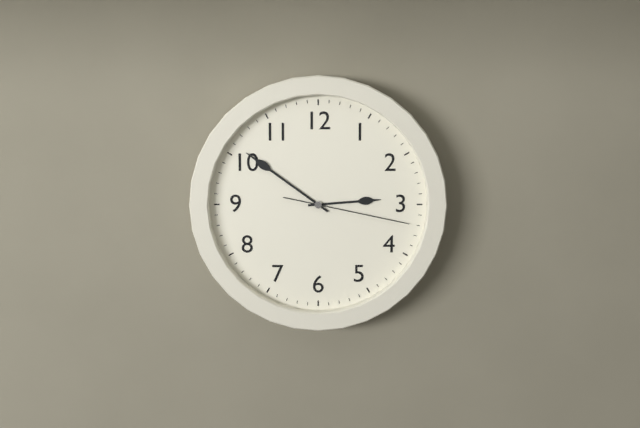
2:51:17
